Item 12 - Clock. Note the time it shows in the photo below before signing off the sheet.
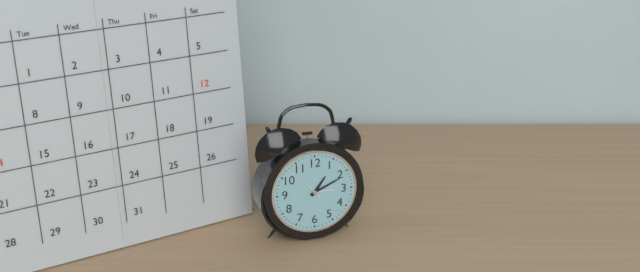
1:11
